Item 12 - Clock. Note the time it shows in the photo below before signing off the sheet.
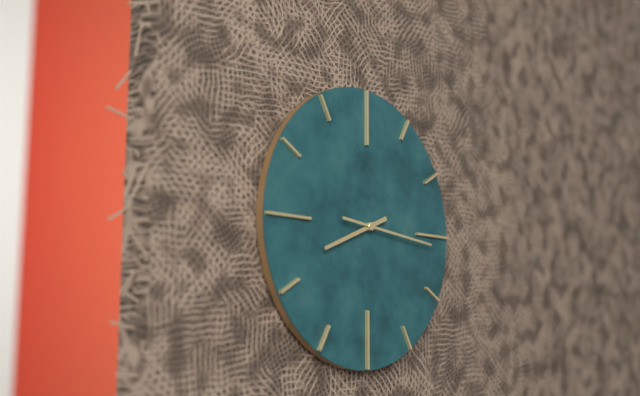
8:16
